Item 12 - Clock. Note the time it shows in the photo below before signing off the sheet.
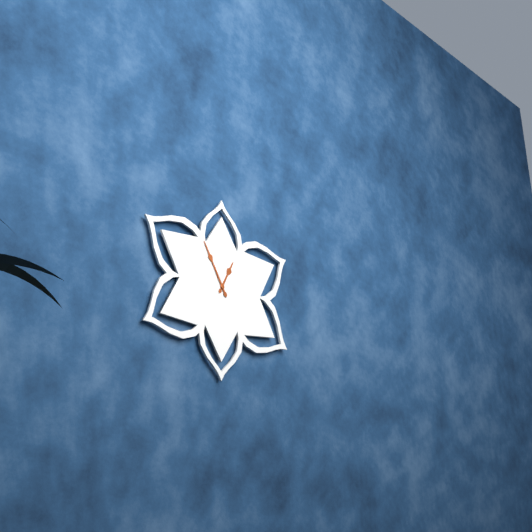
12:55
